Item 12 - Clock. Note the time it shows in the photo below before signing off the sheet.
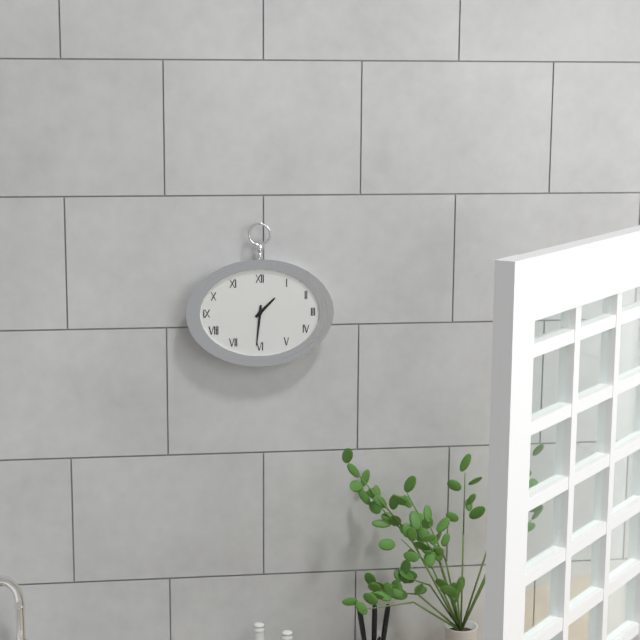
1:31
